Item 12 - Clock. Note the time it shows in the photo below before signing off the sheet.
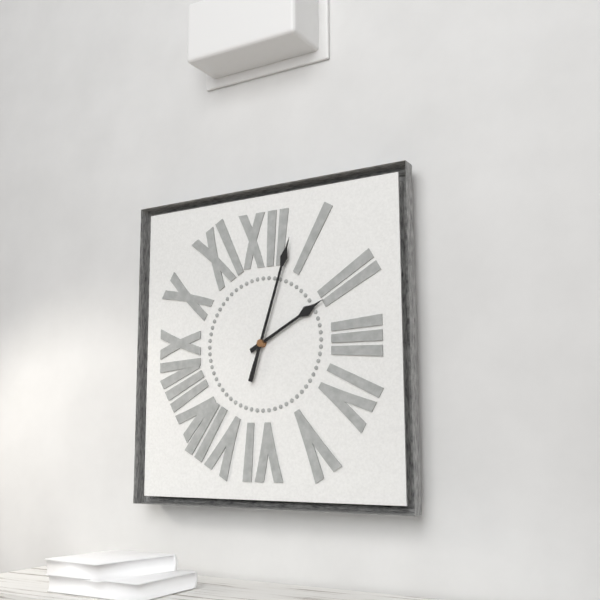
2:03
